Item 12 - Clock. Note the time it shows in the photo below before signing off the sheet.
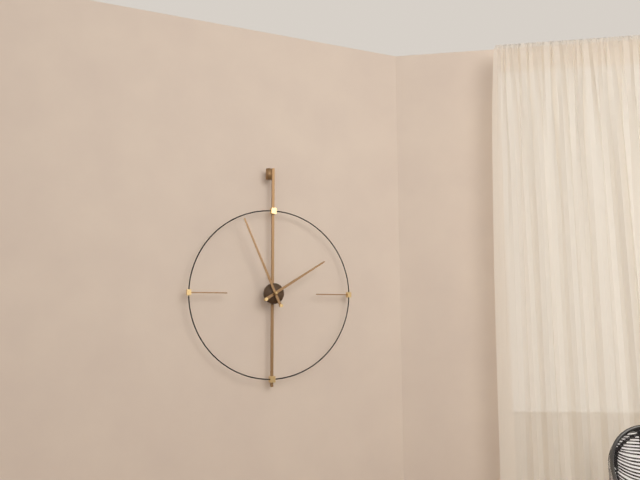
1:56
